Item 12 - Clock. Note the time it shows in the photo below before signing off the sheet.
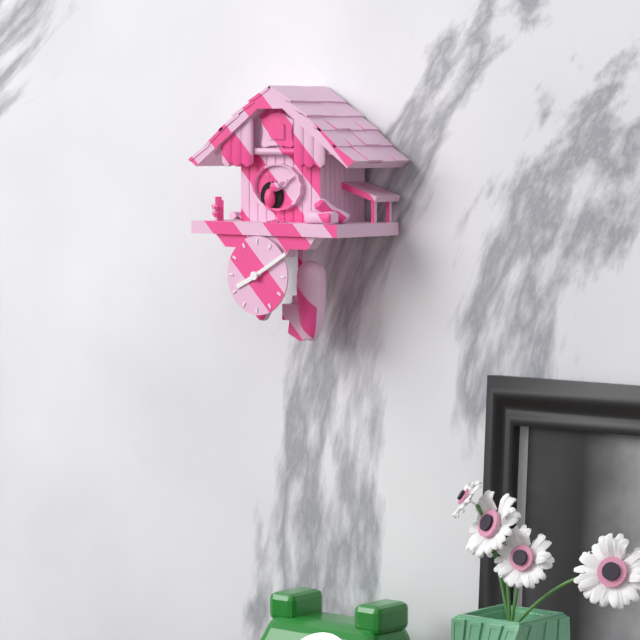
8:10
